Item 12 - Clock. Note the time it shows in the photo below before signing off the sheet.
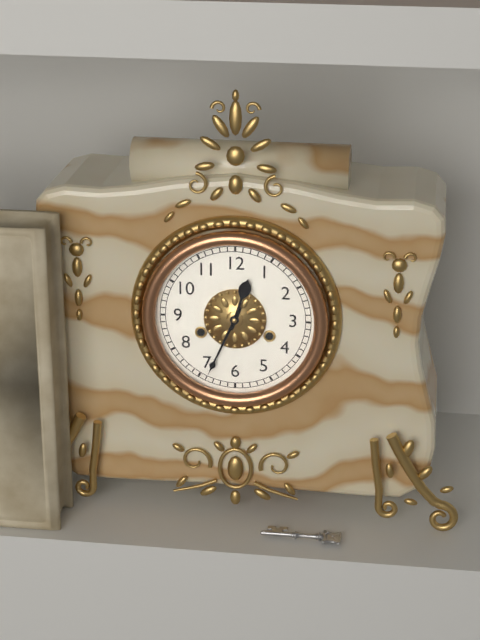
12:34
